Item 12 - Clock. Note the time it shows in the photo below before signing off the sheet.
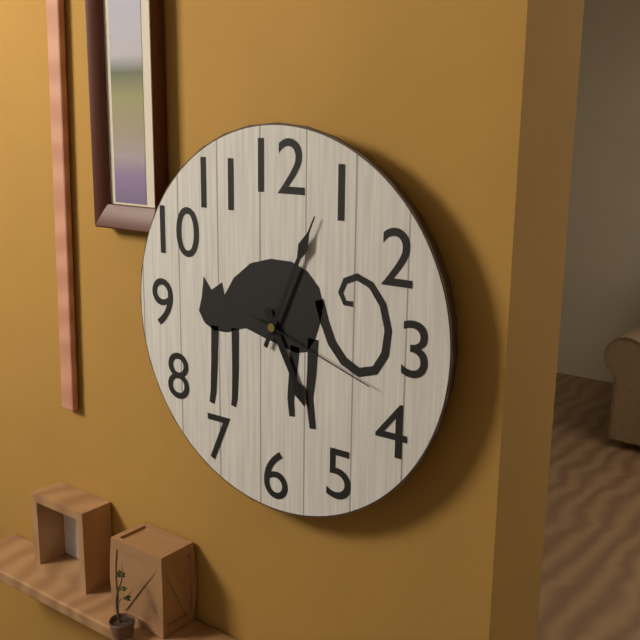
5:04:18
